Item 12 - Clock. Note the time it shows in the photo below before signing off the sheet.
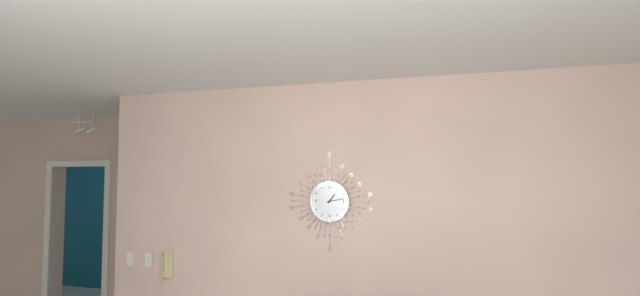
1:13
